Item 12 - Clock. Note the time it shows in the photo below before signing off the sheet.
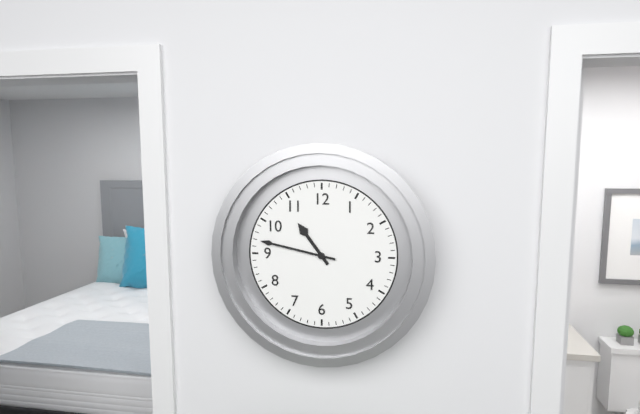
10:47
